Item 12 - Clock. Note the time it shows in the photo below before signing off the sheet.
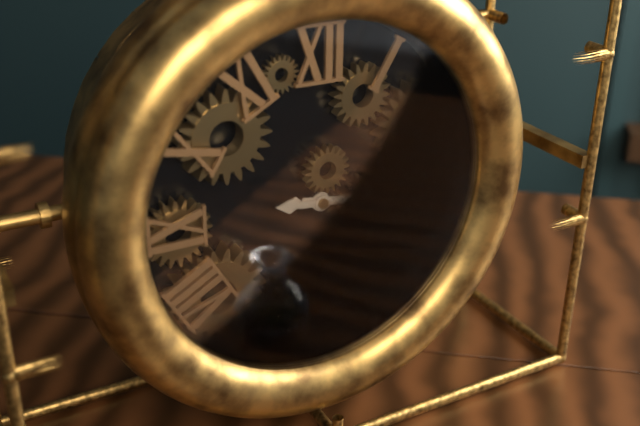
3:16
